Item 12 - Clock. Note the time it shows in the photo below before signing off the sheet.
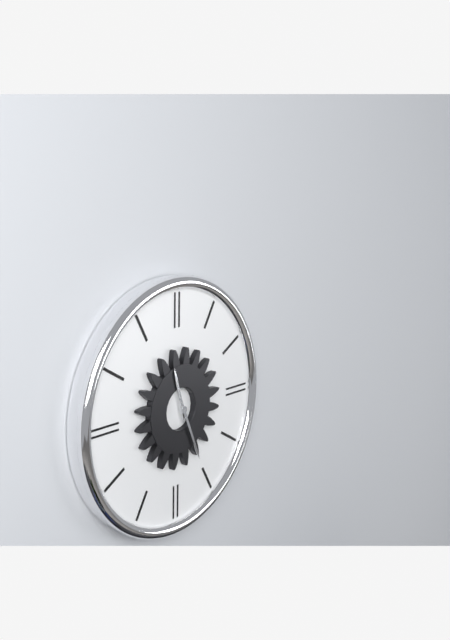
11:26
